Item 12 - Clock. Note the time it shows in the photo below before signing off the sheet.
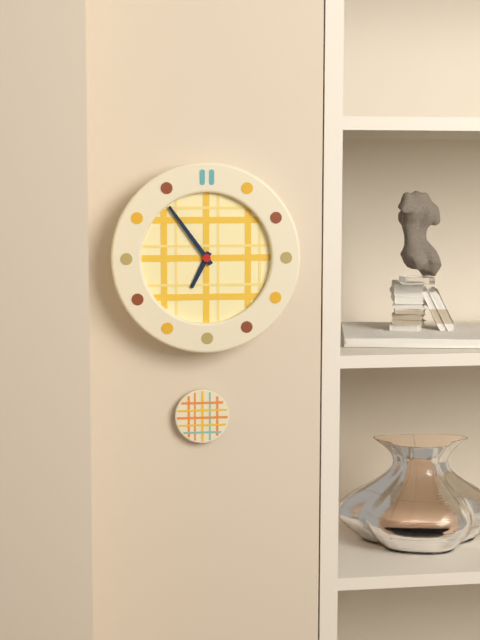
6:54
